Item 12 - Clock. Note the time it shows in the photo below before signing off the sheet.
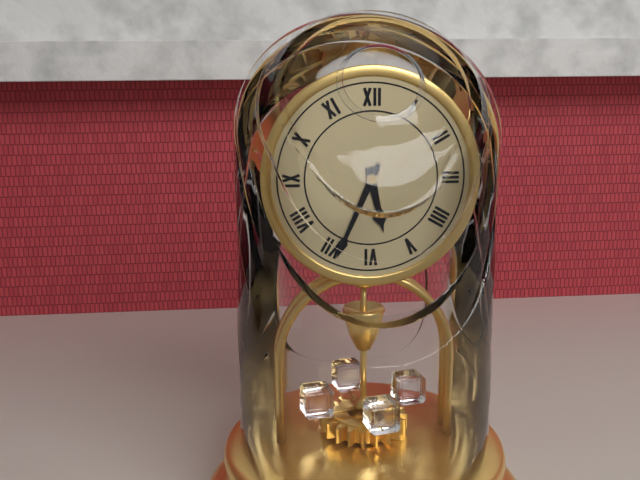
5:34
